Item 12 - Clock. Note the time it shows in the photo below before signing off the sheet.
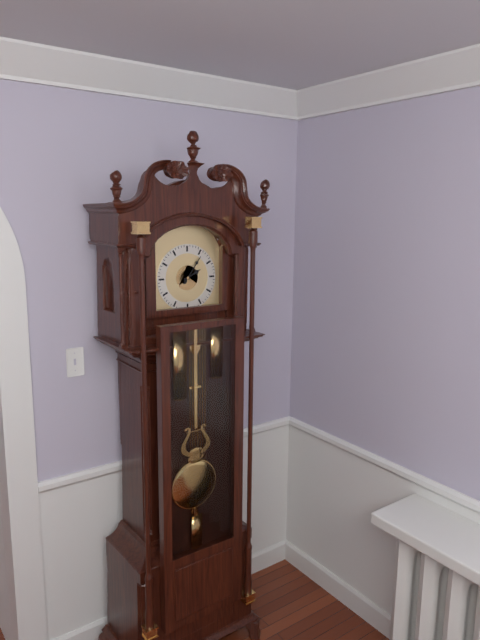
2:06
